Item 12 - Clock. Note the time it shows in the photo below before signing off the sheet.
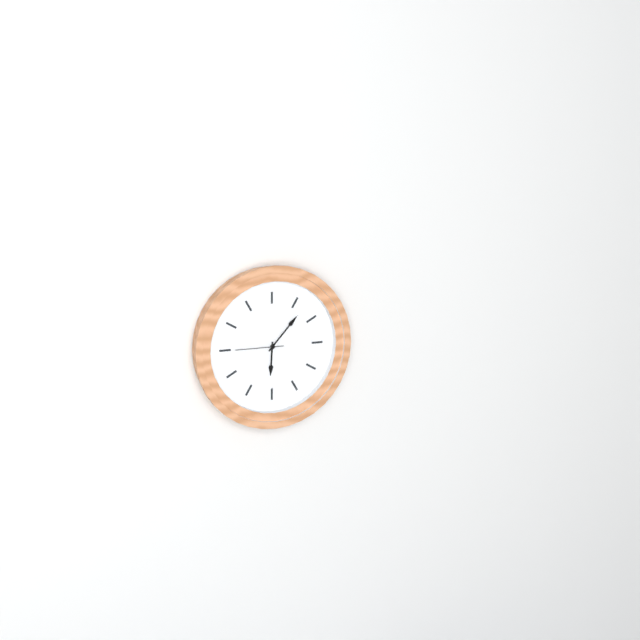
6:07
